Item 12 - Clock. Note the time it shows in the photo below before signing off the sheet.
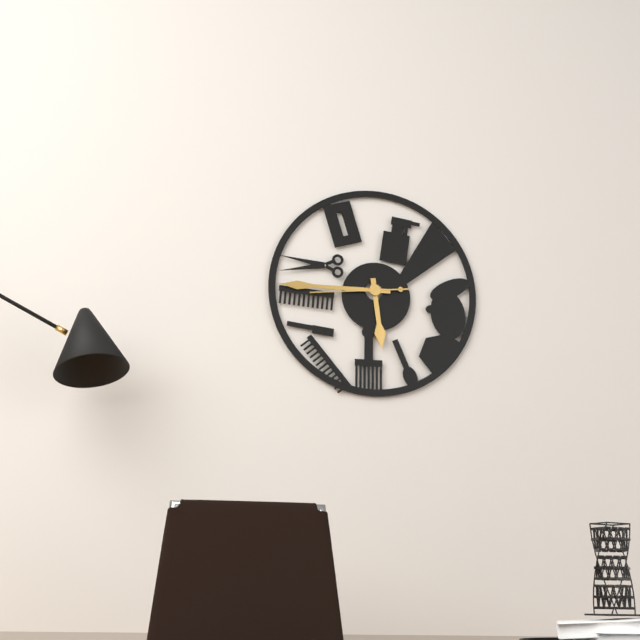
5:45:44
